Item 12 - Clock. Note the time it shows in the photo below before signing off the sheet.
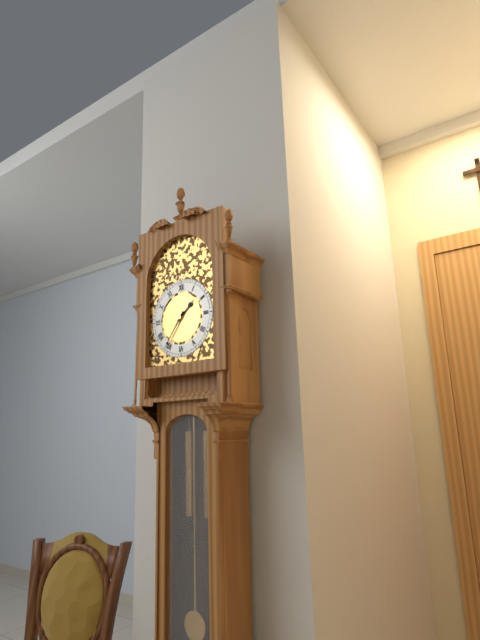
1:36
